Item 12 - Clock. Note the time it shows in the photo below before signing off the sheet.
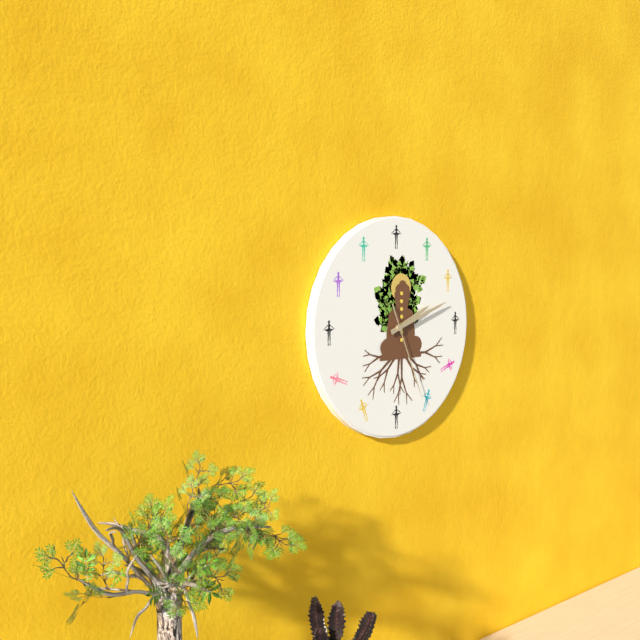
2:12:26
